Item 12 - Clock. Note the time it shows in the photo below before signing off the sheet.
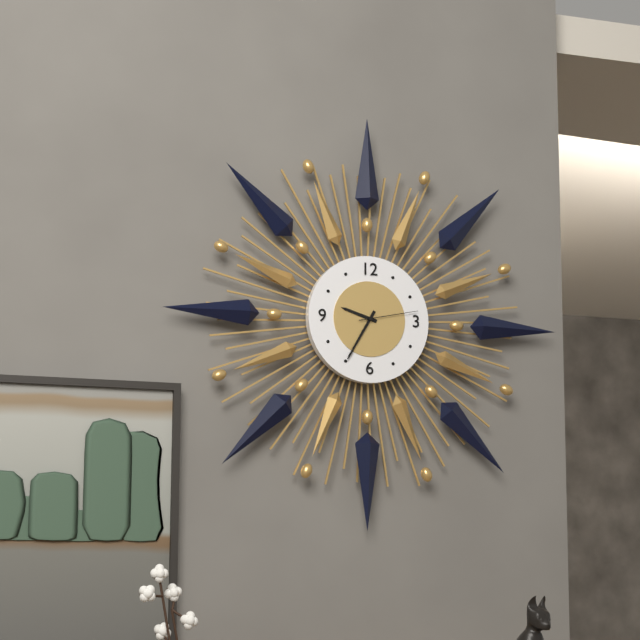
9:35:13
